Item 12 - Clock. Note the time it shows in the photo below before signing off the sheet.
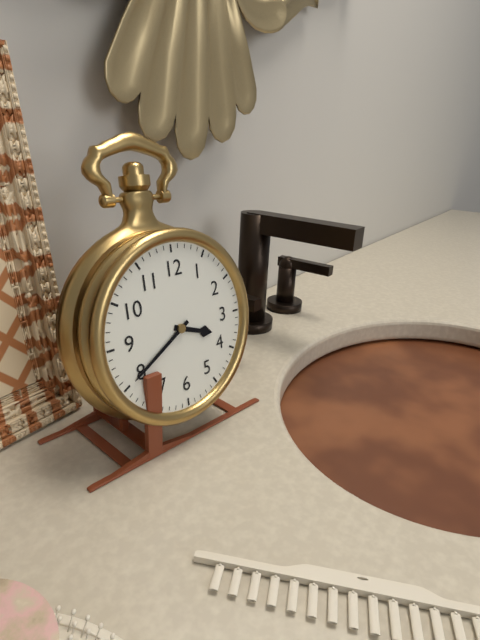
3:40
